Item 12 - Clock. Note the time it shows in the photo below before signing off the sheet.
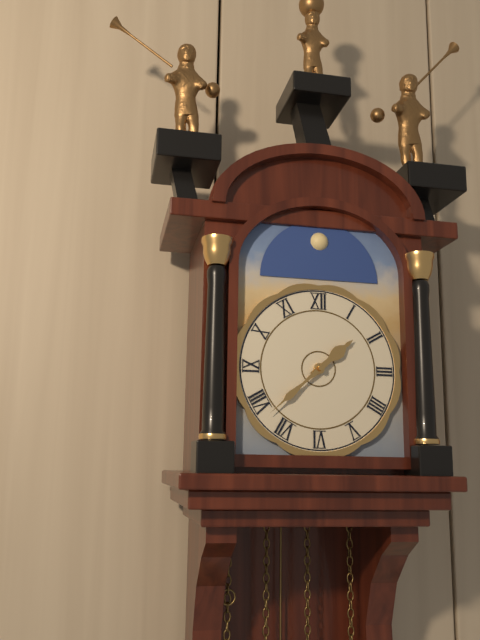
1:38
